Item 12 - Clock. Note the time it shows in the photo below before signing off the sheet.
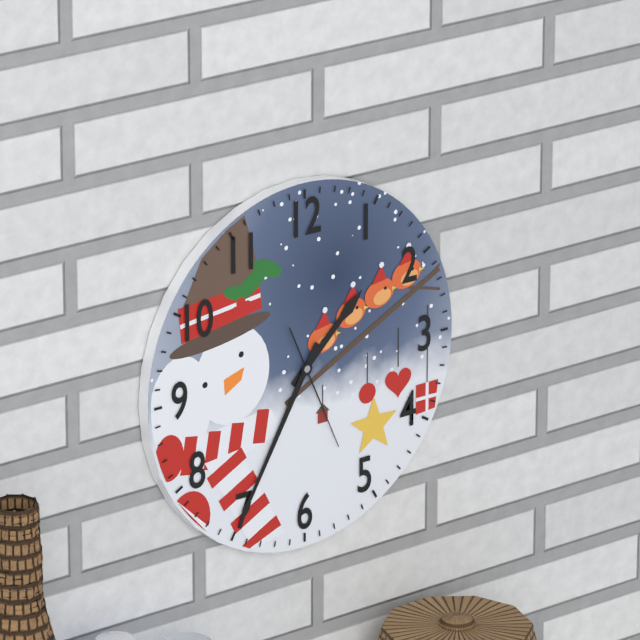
1:35:26
